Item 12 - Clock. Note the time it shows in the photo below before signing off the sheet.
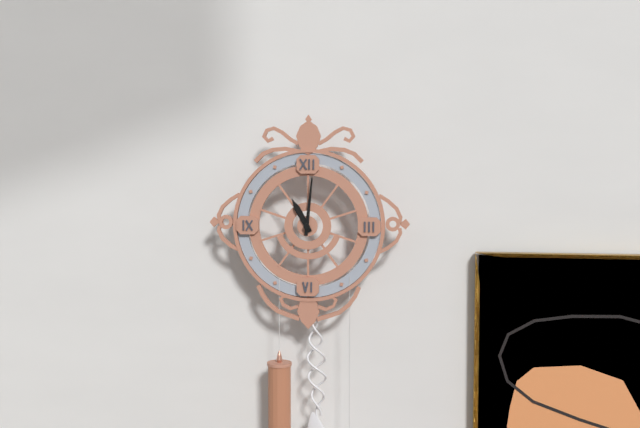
11:01
